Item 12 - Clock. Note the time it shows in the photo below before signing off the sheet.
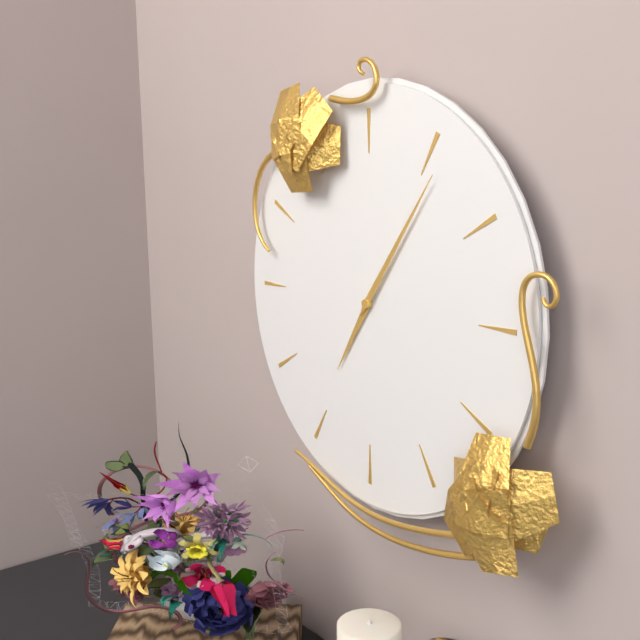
7:06
